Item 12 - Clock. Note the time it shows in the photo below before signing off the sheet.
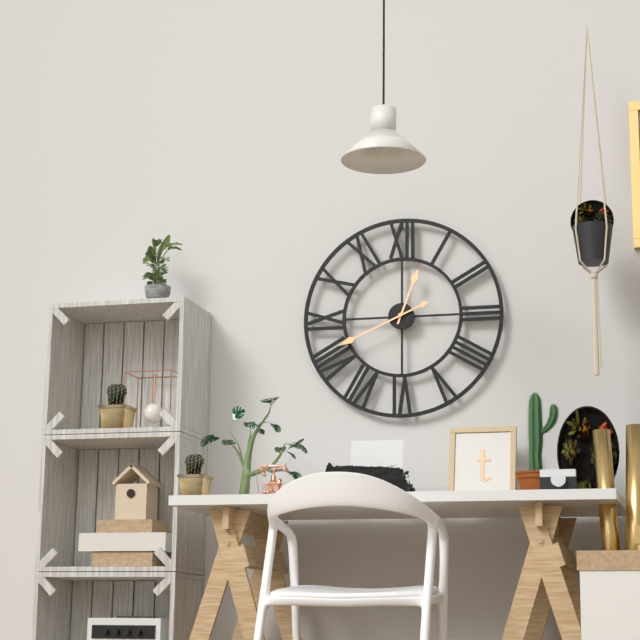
12:41
